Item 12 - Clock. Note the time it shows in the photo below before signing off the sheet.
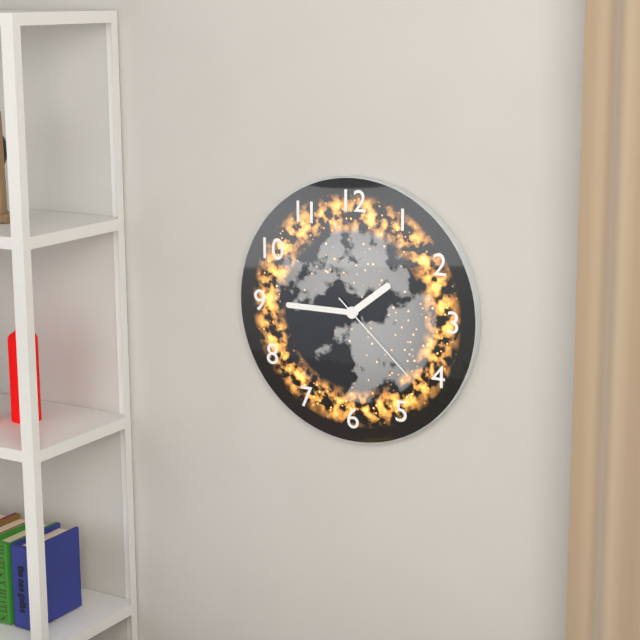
1:45:22
